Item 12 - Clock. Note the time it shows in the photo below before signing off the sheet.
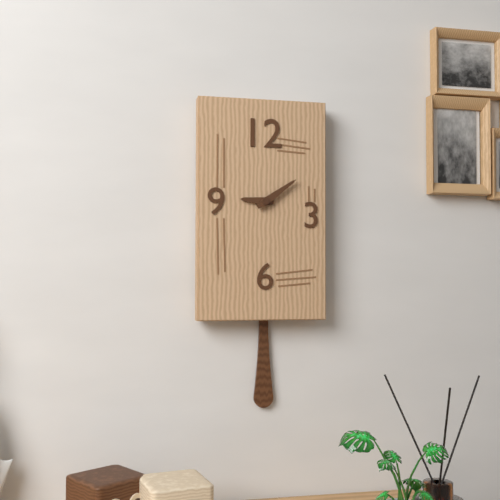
9:09
